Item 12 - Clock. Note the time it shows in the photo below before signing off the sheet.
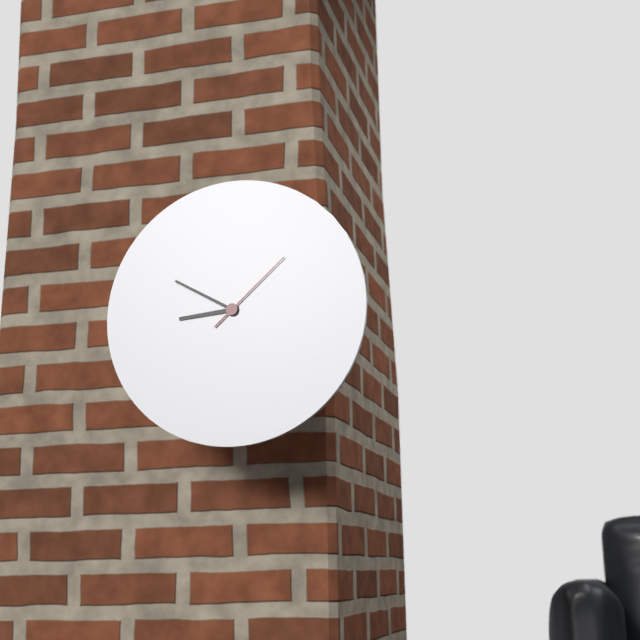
8:50:08
